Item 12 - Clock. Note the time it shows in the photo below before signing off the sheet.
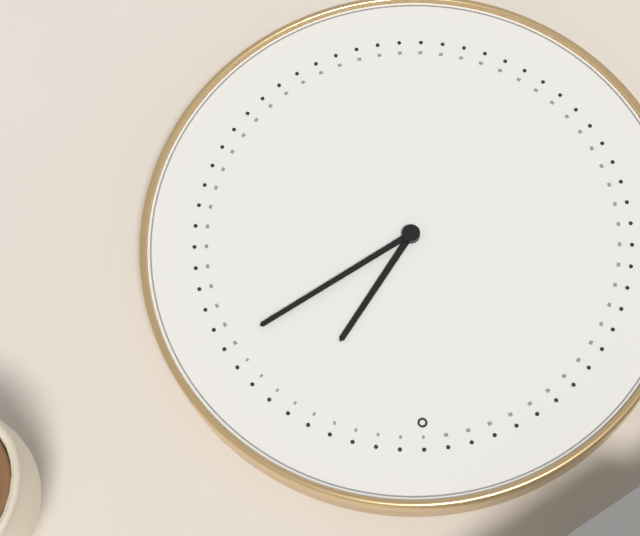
1:10
